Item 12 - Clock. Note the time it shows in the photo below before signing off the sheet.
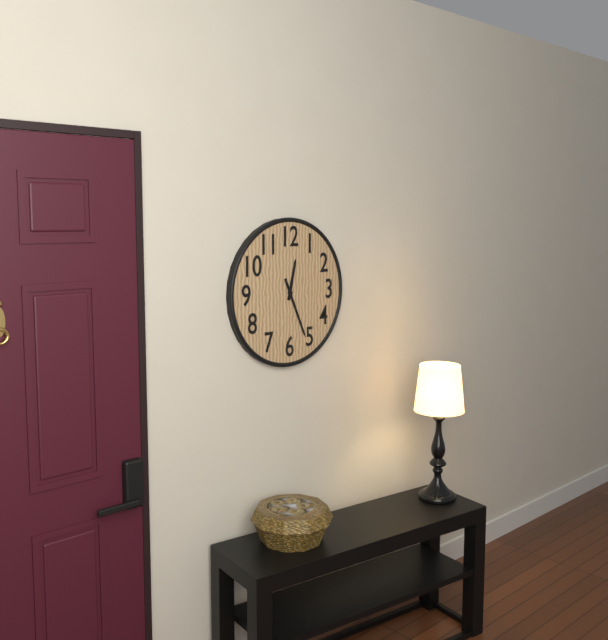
12:26
